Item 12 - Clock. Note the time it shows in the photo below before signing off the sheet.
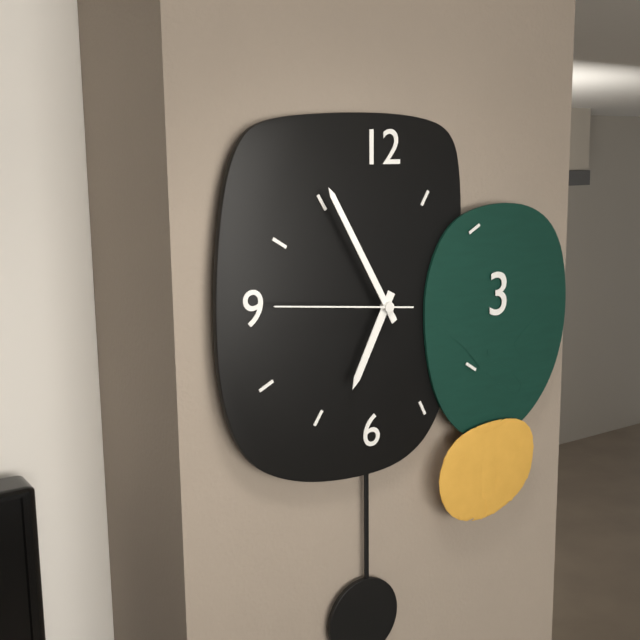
6:55:46
